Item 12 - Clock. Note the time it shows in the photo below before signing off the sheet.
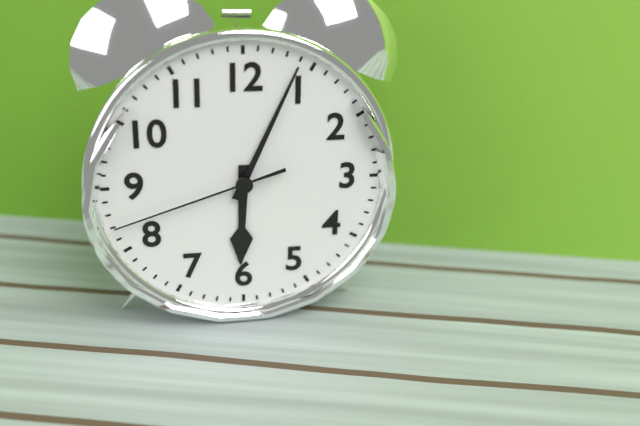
6:04:42
